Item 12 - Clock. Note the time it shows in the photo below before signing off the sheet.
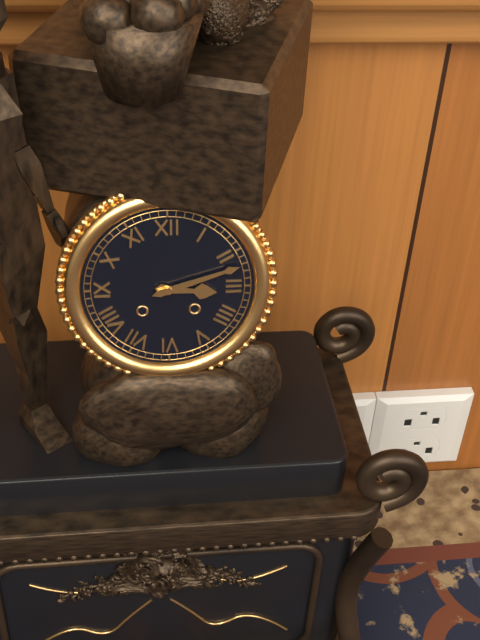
3:12
